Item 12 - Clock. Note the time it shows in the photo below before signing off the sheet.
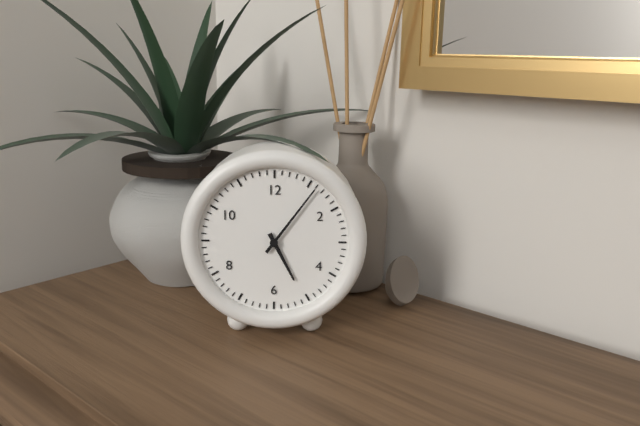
5:06
